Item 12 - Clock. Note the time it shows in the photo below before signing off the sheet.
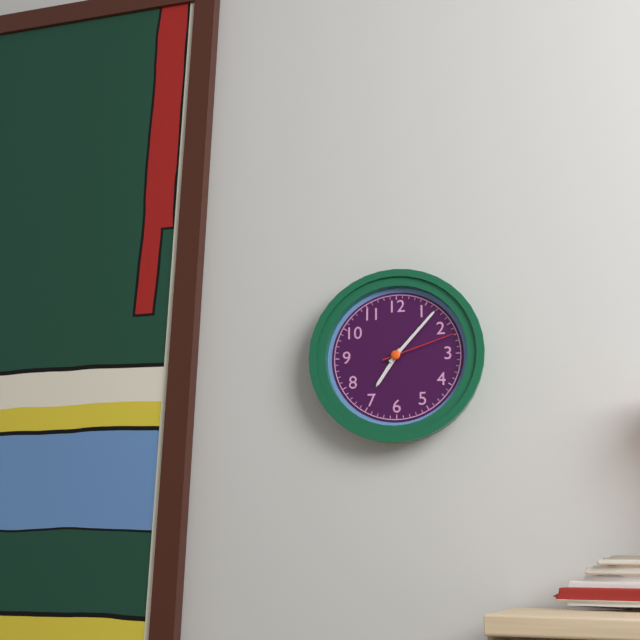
7:07:12
